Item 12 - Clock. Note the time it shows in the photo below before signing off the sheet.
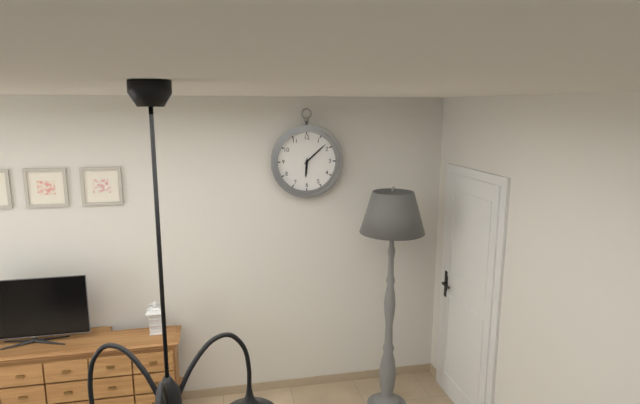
6:08
